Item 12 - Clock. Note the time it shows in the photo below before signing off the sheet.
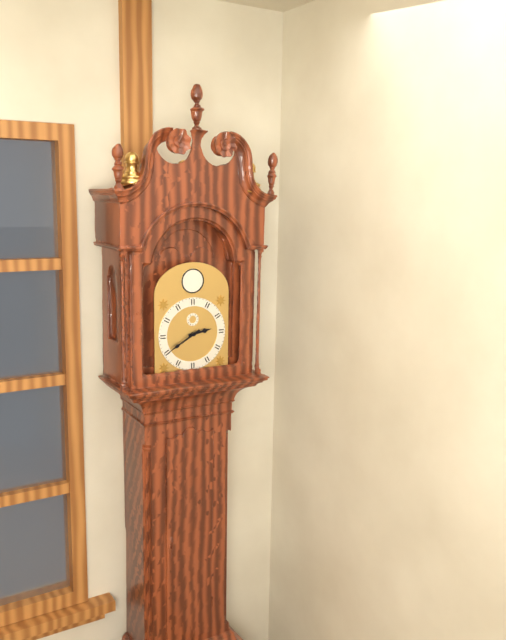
2:40
